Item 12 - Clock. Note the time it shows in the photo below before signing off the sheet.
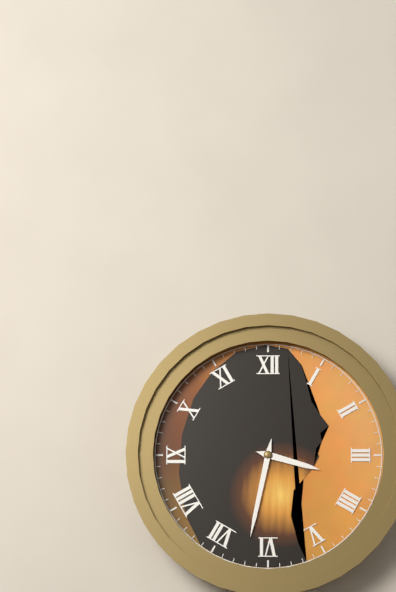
3:32
